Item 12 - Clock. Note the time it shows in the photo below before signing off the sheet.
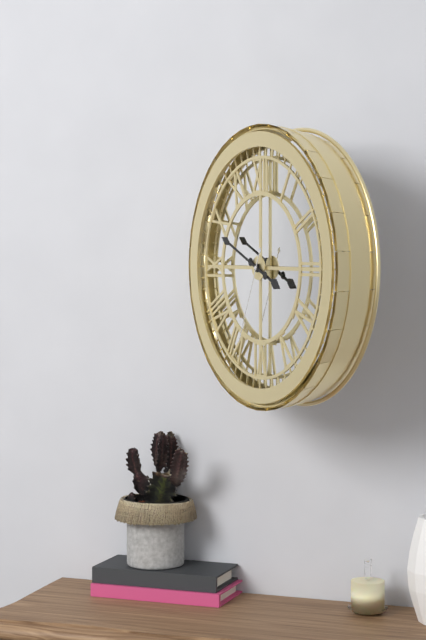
3:49:34
